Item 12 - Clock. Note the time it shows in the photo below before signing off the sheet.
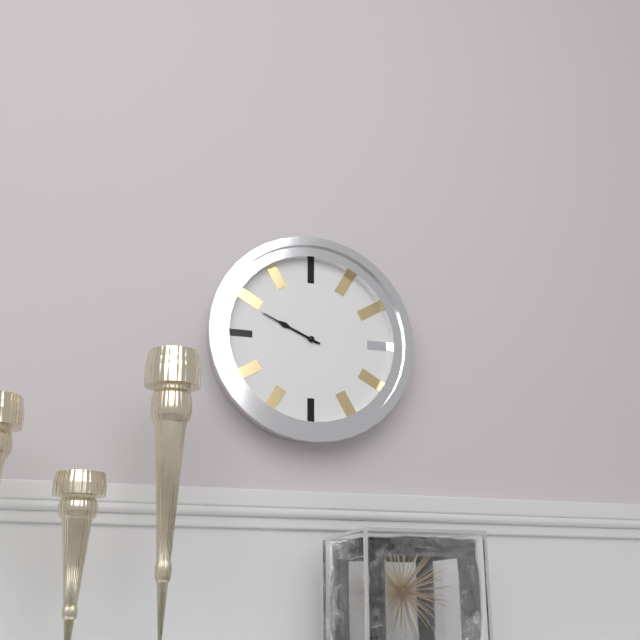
9:49
